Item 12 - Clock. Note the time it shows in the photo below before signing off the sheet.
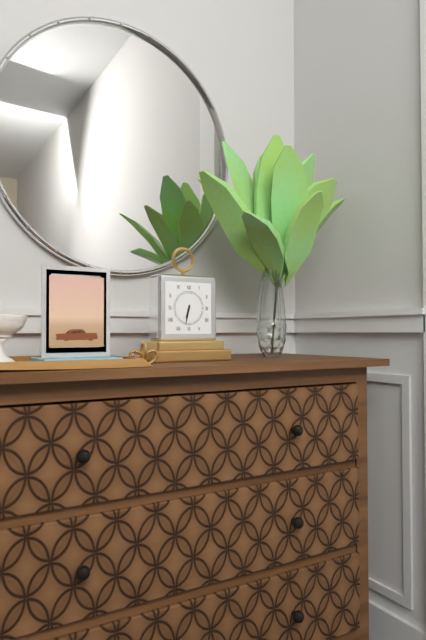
6:32
